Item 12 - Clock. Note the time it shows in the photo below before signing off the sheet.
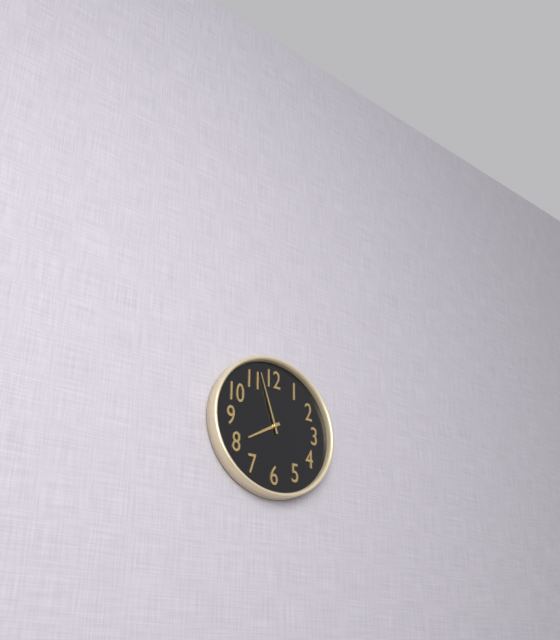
7:57
